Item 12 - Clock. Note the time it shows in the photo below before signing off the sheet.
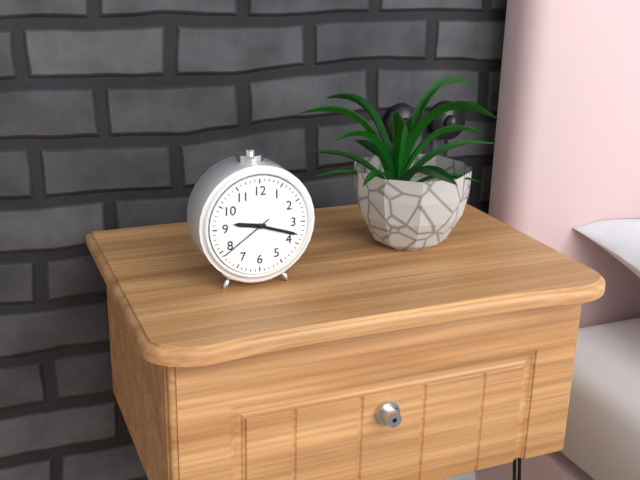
9:18:39
